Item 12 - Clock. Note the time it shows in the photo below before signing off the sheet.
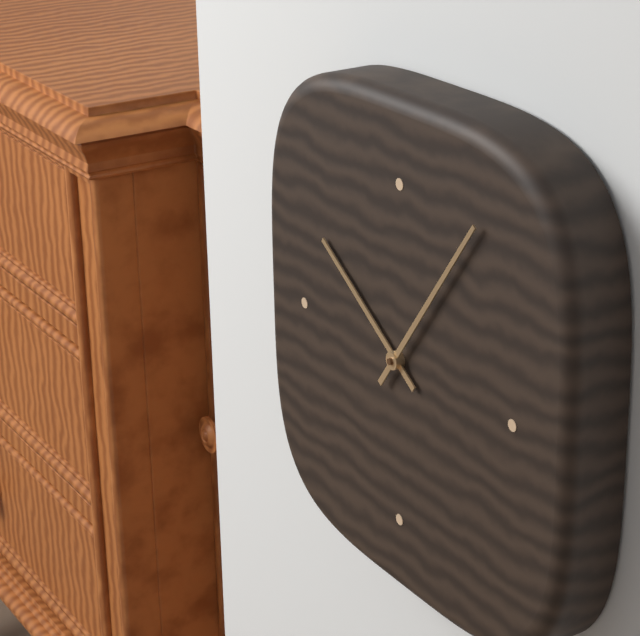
10:06
